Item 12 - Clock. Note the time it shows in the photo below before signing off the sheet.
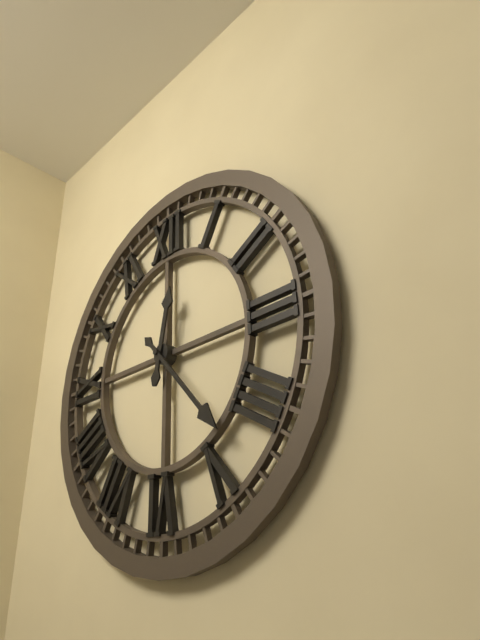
12:23
